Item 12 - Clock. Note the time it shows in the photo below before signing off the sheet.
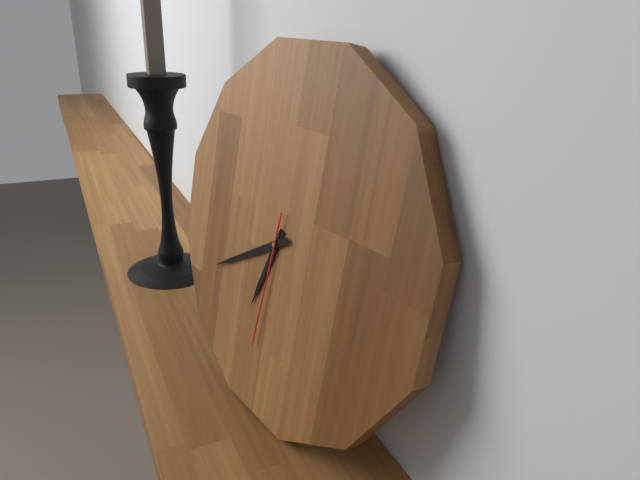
6:40:31
